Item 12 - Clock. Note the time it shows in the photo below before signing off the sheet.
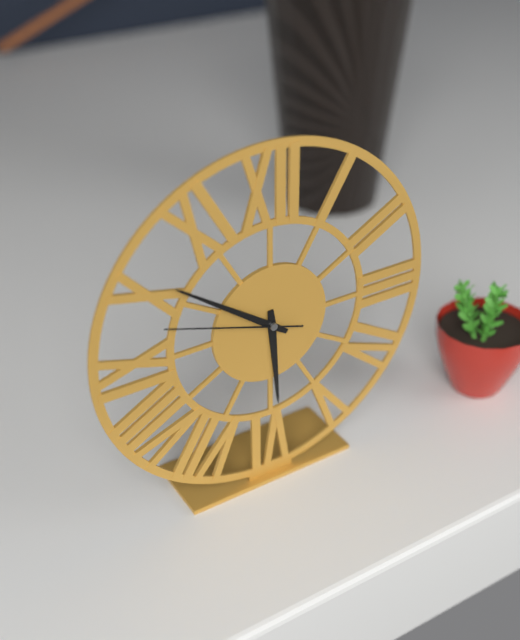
5:51:48
